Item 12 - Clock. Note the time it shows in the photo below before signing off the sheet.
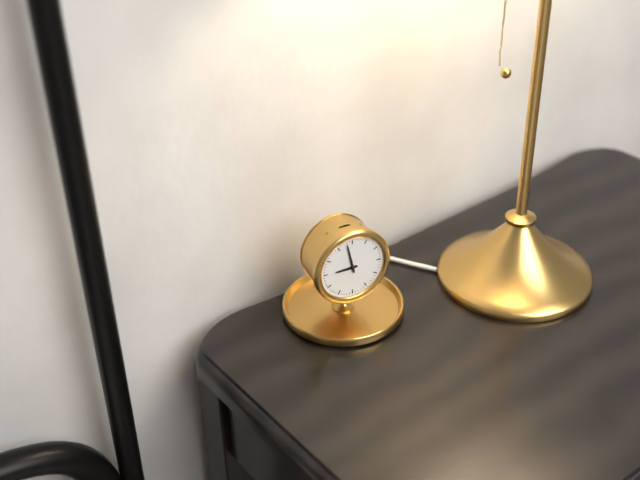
8:58
